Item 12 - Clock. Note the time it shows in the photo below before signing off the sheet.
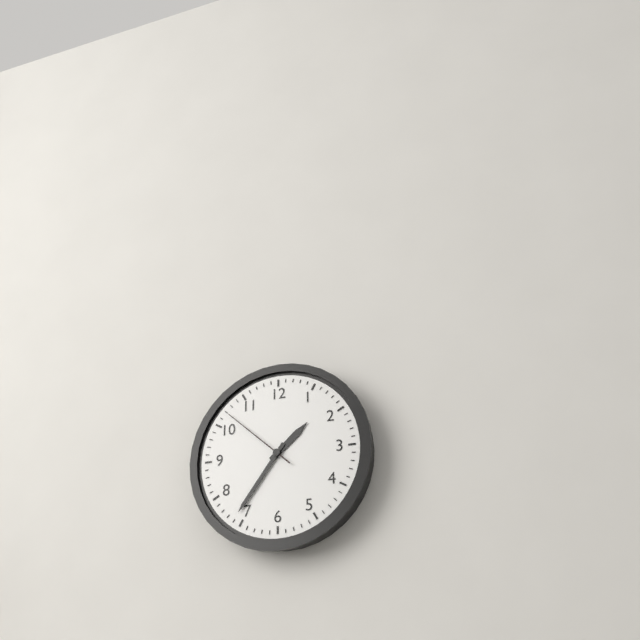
1:36:52
